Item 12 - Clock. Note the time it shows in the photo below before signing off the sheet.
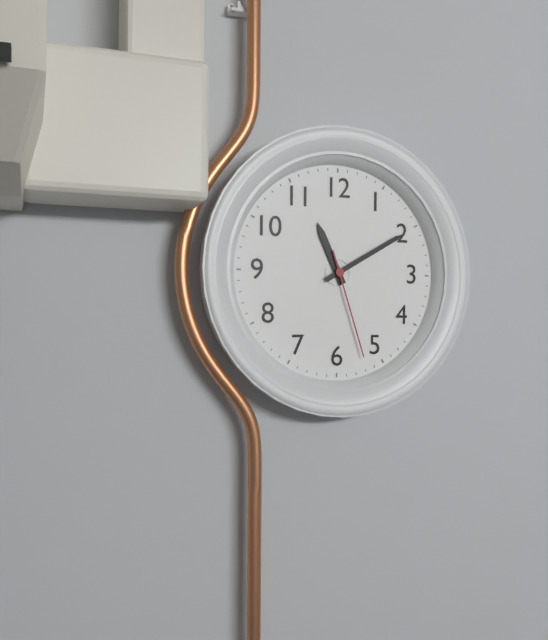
11:10:27
